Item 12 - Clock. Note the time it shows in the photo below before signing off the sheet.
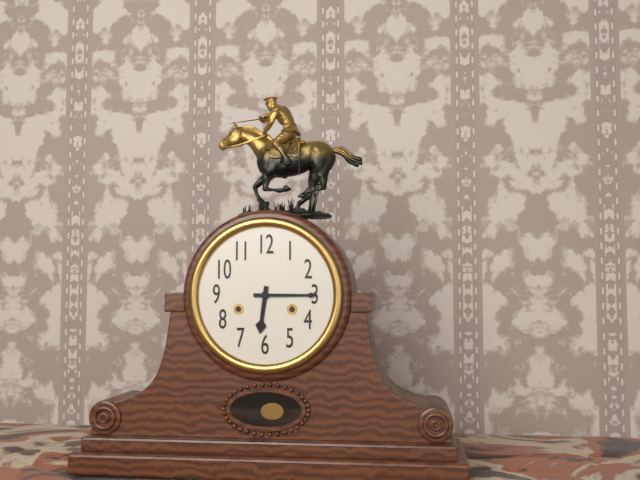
6:15
